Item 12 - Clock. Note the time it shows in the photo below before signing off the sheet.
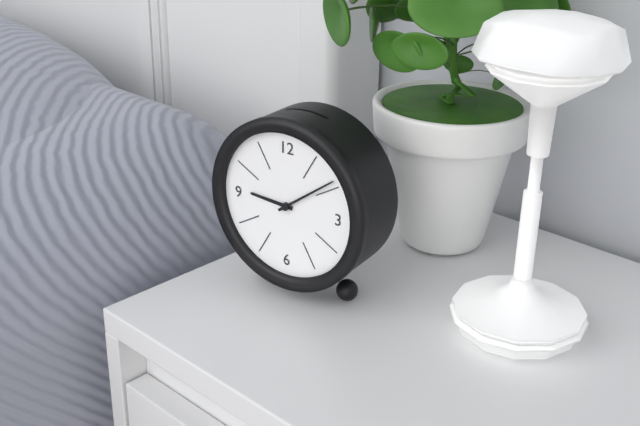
9:09
